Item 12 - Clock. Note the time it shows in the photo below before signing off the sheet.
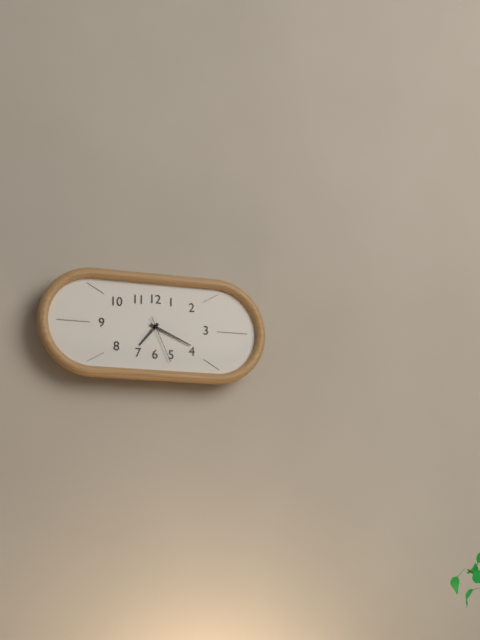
7:19
